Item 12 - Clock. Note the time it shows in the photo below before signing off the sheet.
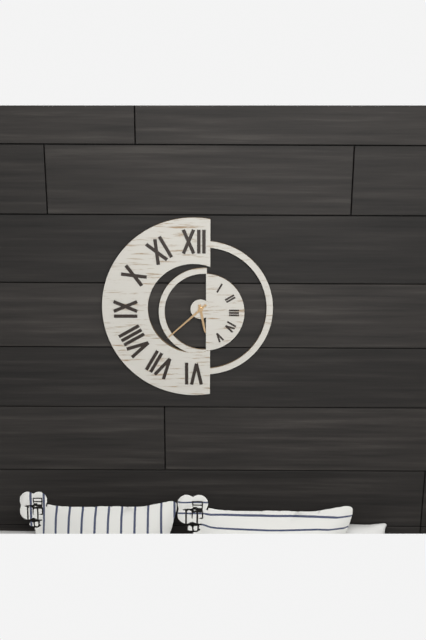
5:38
